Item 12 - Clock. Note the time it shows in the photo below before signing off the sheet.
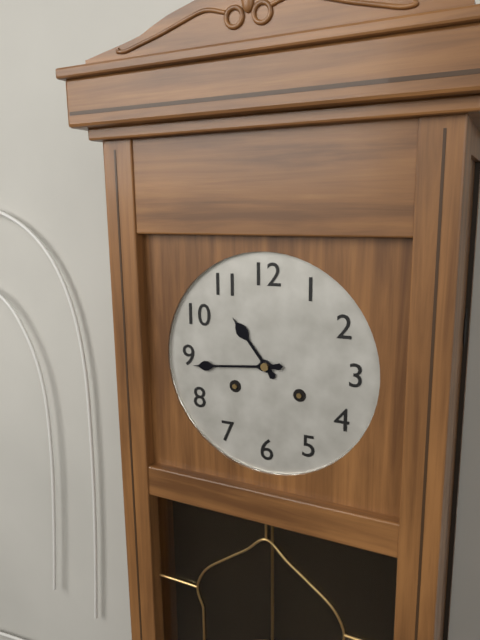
10:44
